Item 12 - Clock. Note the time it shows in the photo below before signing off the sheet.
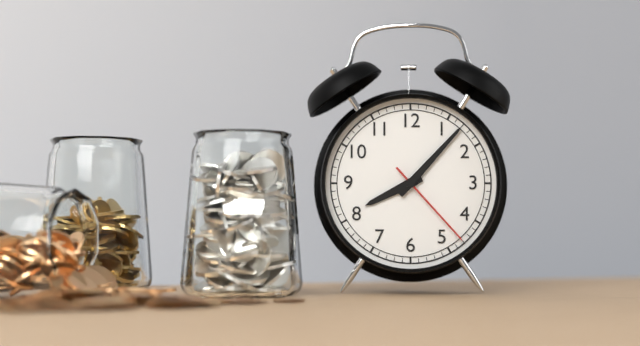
8:07:23
